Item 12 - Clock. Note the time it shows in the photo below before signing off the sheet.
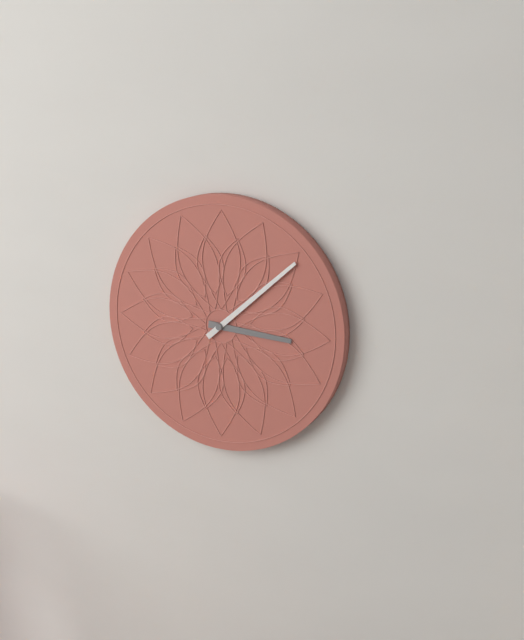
3:08
